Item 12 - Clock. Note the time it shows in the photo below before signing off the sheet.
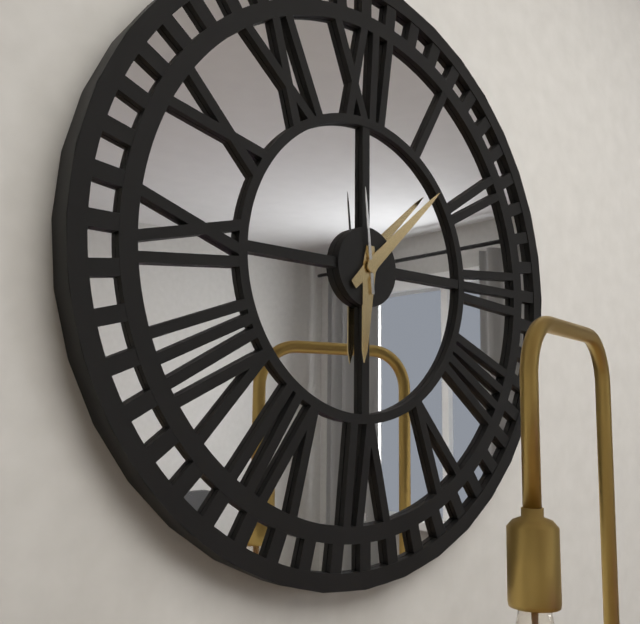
6:08:59
